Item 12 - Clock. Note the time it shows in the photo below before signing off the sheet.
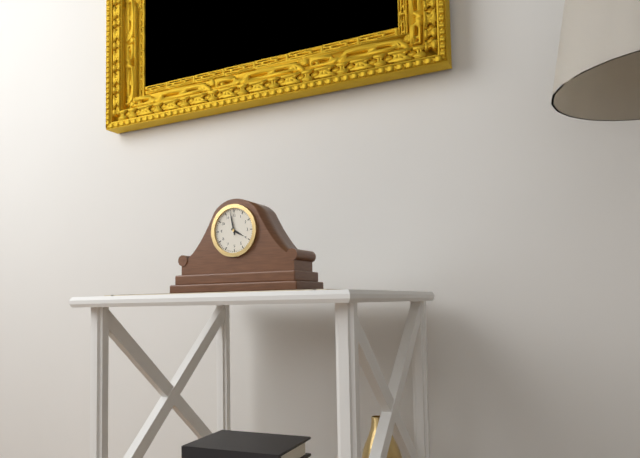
3:58
